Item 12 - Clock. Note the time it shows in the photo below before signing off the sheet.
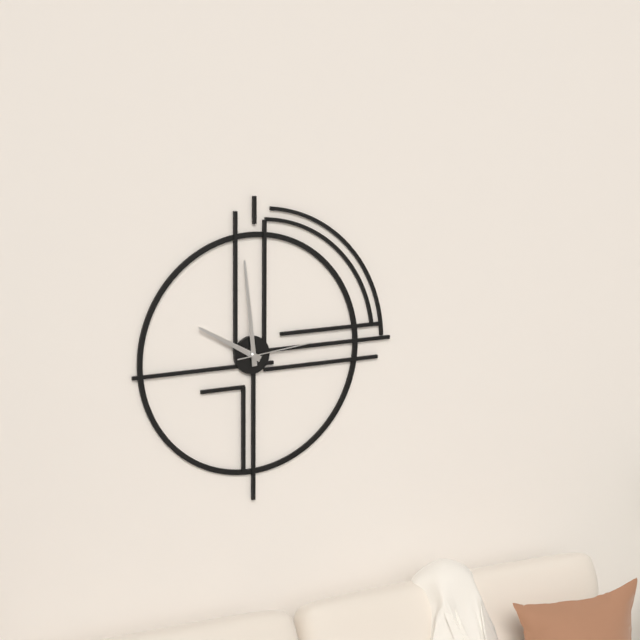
9:59:14
